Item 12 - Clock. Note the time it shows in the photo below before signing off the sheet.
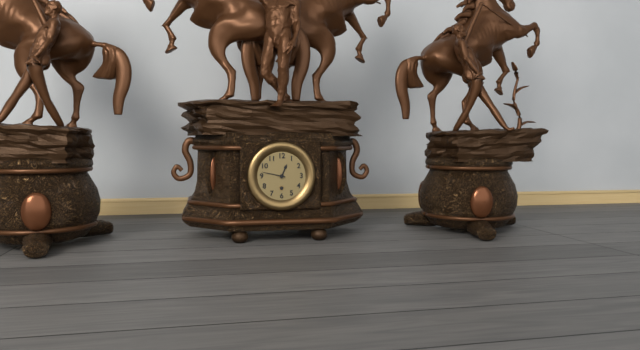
12:47
